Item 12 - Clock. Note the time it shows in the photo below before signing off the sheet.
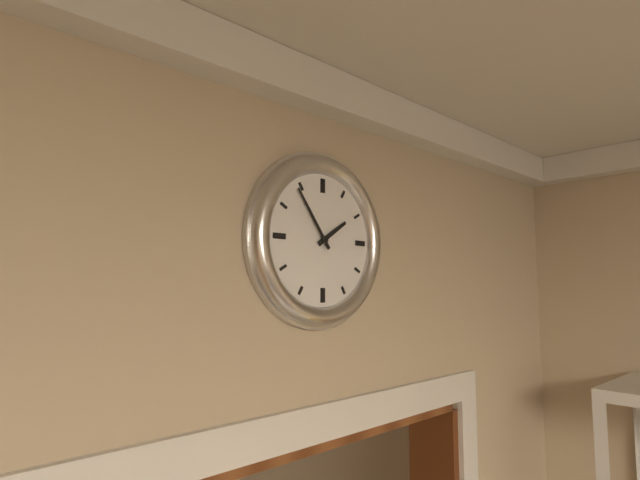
1:54
